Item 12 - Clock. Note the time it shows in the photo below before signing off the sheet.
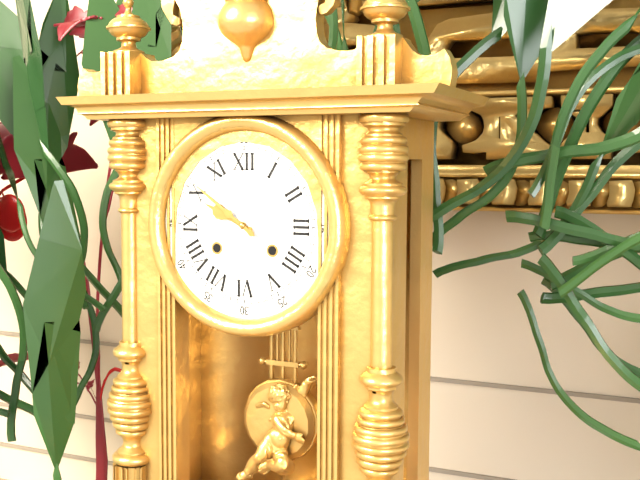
9:51
